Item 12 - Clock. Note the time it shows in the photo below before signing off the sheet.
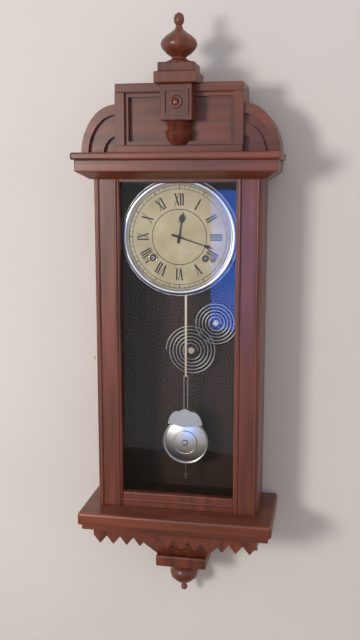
12:18
